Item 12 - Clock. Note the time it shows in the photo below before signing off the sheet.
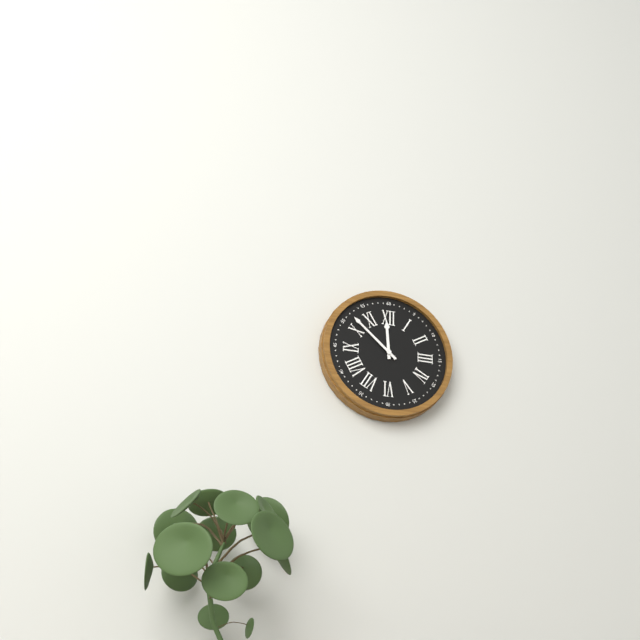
11:52
